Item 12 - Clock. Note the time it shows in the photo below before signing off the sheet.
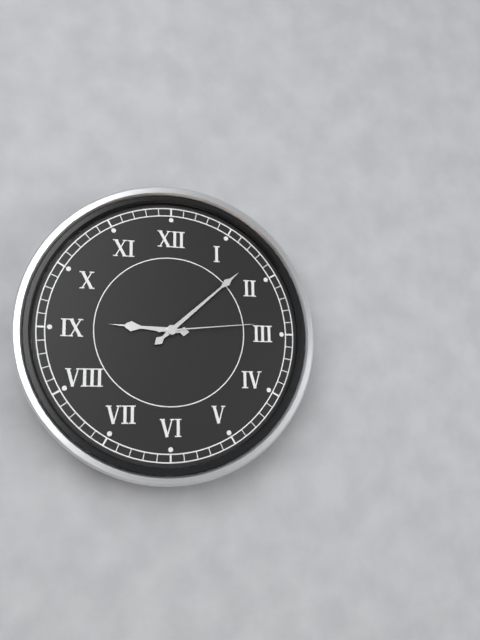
9:08:14
